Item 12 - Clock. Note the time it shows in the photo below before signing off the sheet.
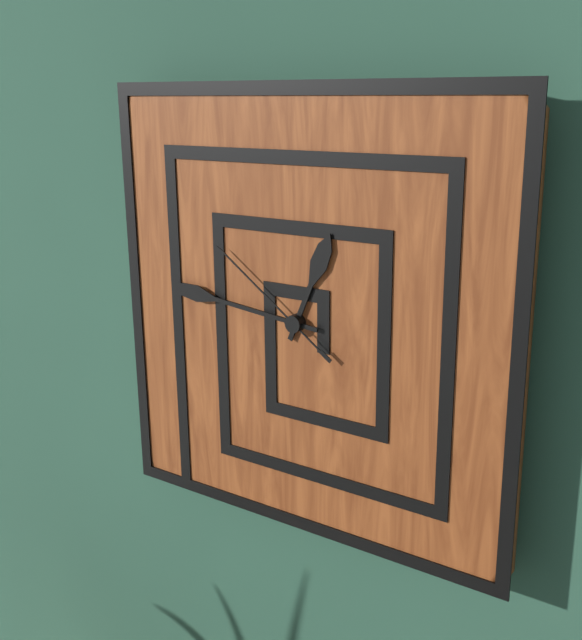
12:46:51
